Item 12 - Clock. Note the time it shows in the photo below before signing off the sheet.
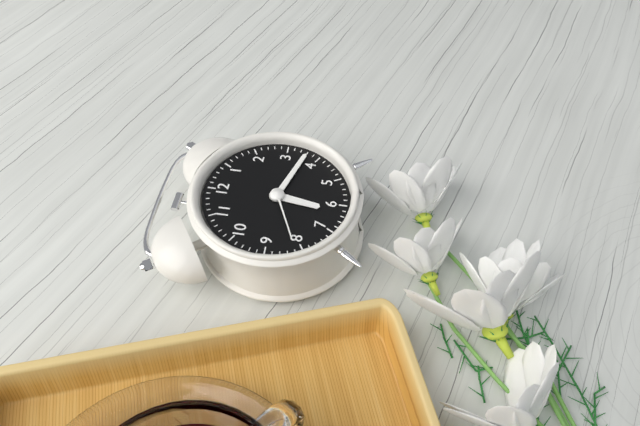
6:18:41
